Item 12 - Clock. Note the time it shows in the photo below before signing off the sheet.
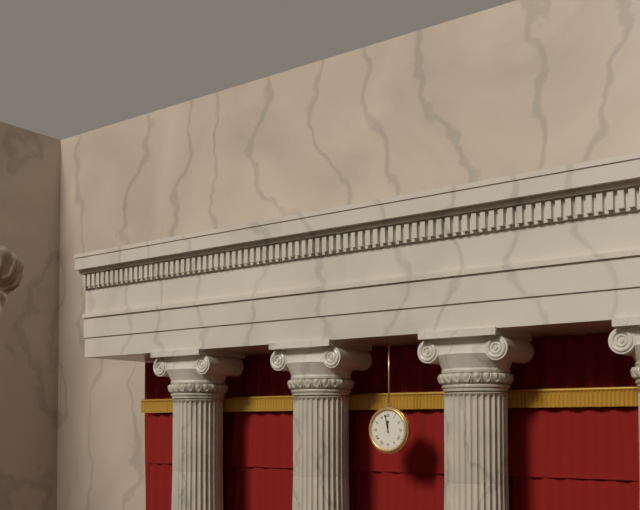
11:58
